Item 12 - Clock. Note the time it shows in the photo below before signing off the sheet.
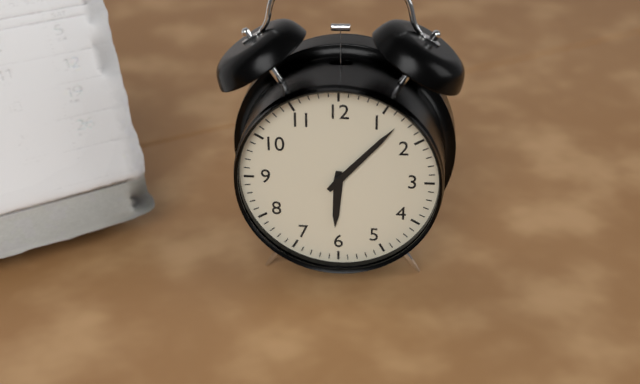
6:07
